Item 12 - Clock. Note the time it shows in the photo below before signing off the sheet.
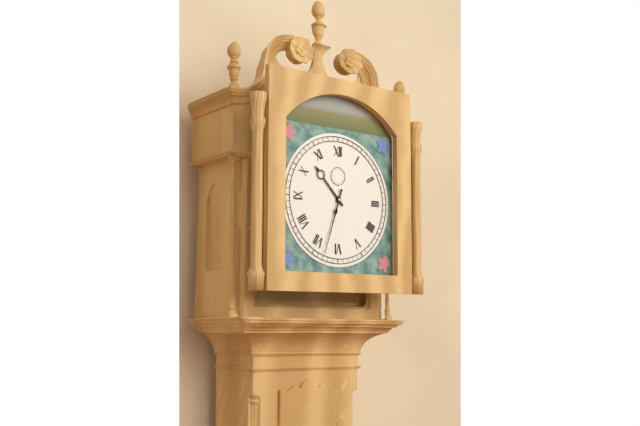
10:33
